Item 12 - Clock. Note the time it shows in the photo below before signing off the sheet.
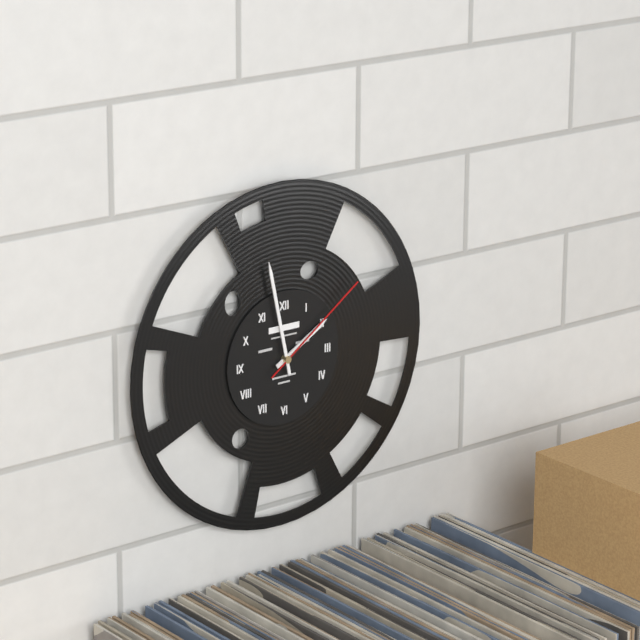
1:58:09
